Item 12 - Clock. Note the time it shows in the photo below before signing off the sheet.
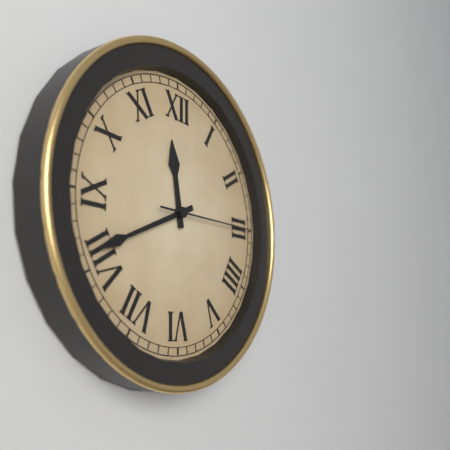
11:41:15
